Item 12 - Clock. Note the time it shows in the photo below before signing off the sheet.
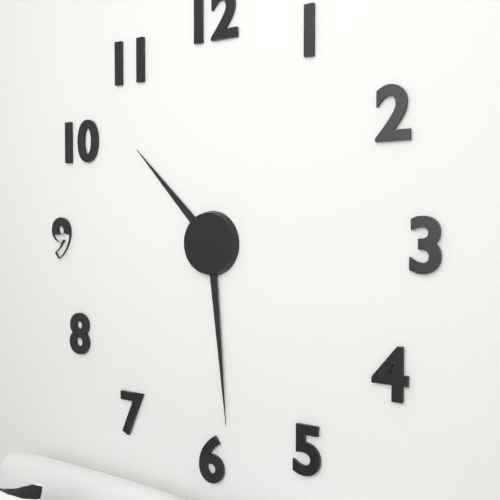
10:29
